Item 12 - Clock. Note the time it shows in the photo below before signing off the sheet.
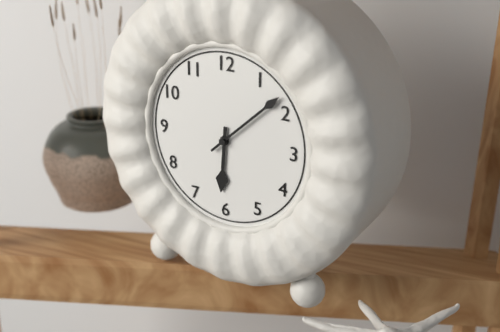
6:08
